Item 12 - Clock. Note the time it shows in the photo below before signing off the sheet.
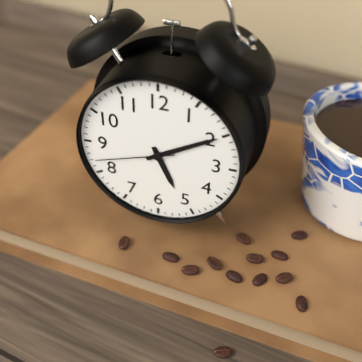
5:10:42
